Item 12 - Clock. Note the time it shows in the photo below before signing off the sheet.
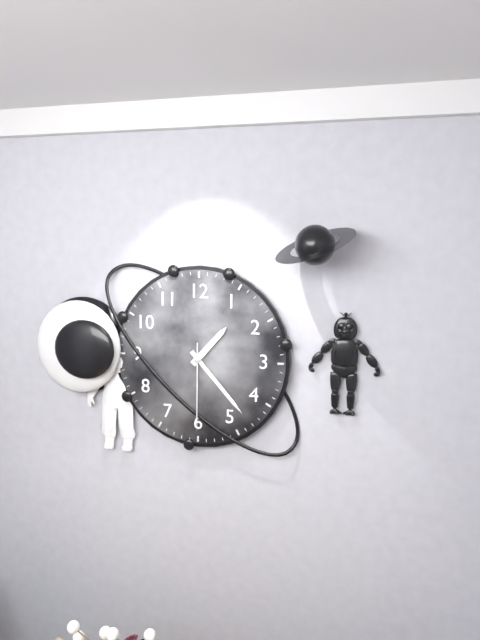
1:23:30
